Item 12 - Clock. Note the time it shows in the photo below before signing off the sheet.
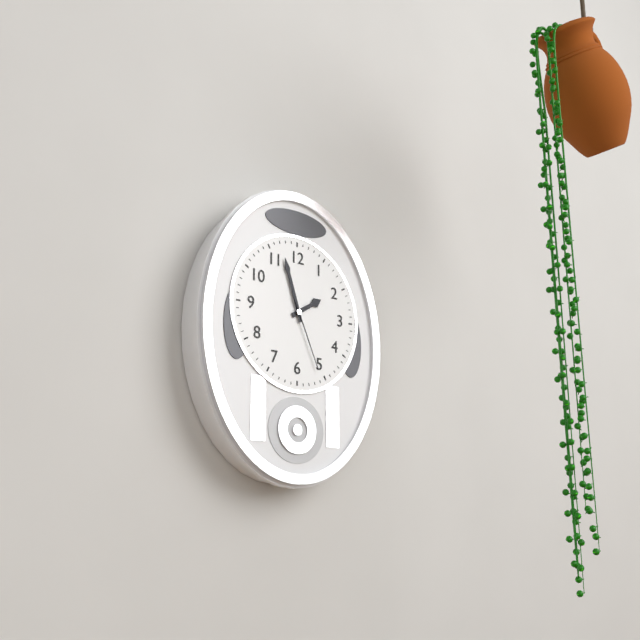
1:57:26
